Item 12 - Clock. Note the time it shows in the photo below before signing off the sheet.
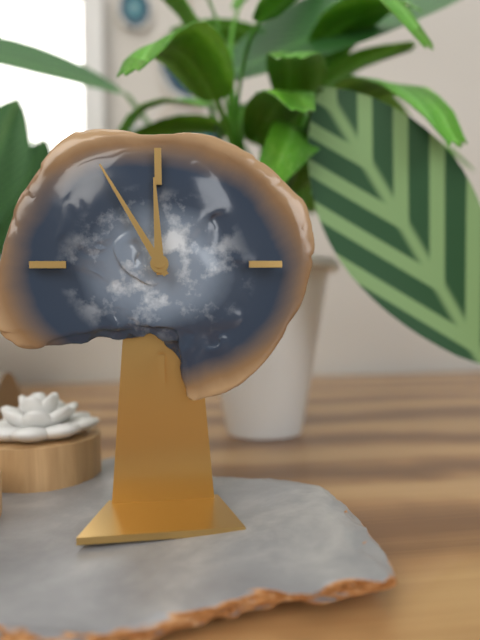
11:55
